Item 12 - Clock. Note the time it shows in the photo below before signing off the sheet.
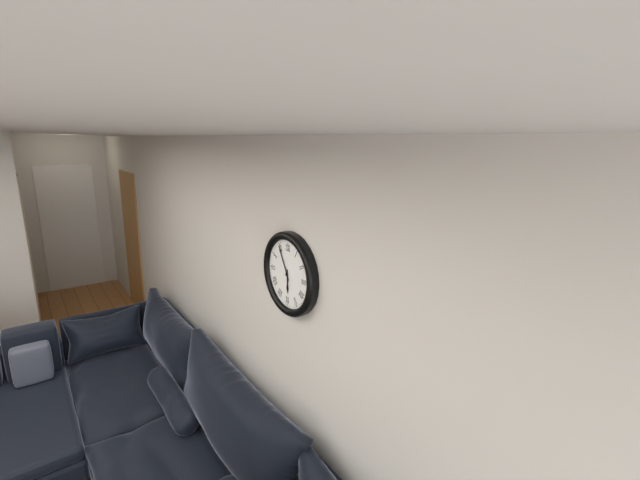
5:55
